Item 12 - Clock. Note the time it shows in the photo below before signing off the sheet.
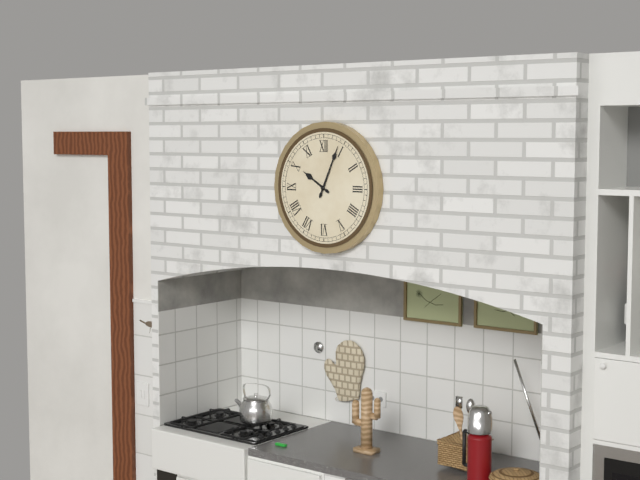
10:04
